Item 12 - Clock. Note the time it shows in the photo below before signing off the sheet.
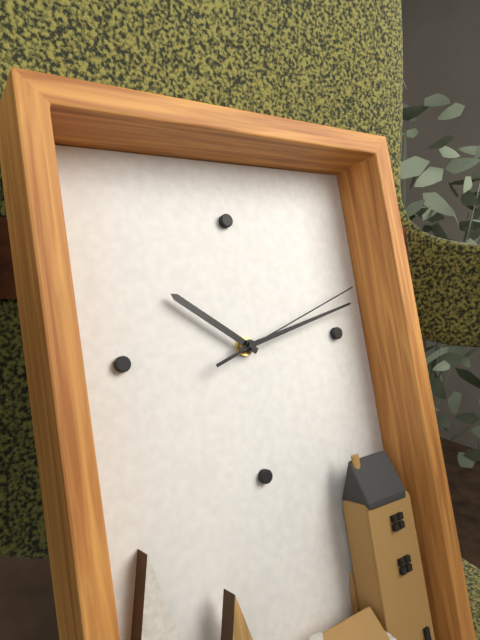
10:13:12
